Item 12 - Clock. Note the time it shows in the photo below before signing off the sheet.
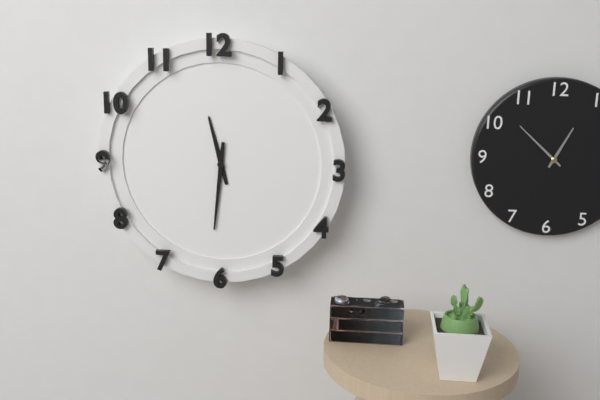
11:31
